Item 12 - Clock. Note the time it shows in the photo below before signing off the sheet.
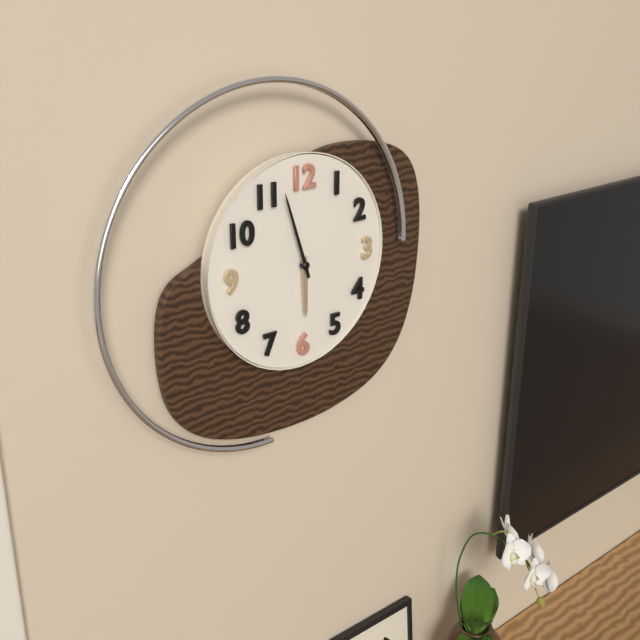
5:57
